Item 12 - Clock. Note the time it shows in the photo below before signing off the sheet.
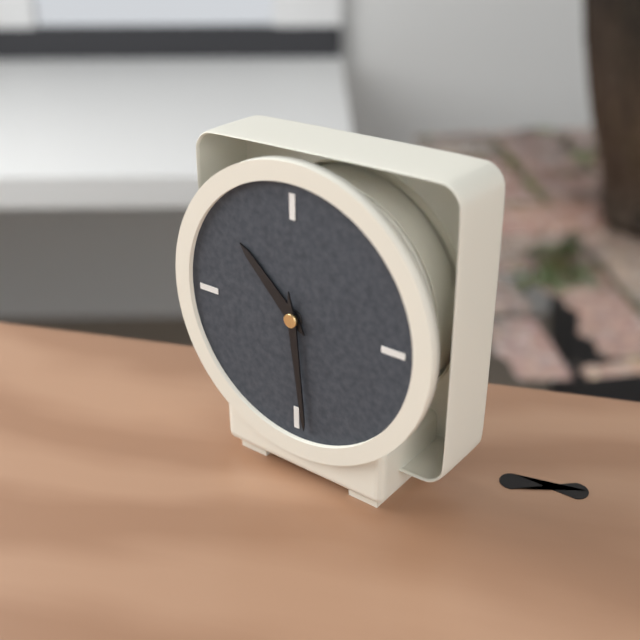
10:29
